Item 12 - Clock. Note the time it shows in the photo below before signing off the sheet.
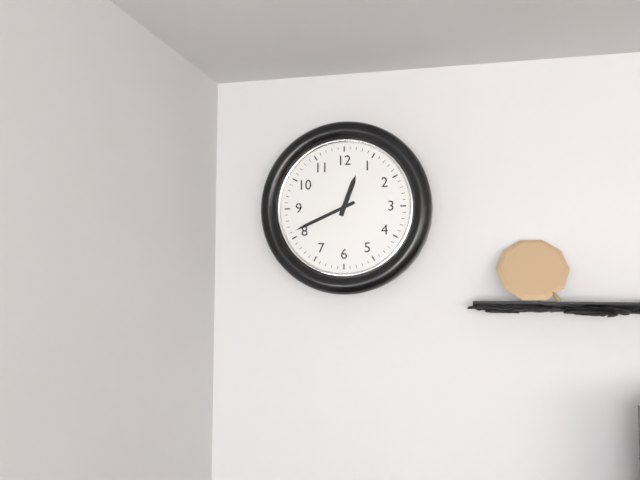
12:41
